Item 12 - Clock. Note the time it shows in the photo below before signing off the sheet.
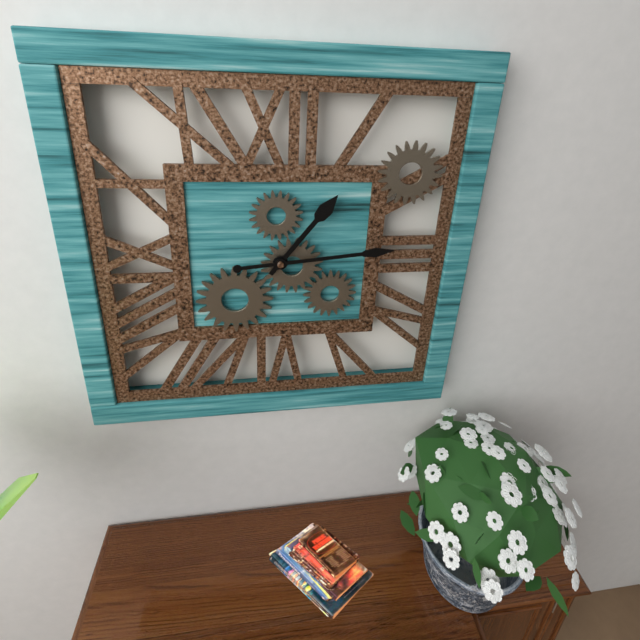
1:14
